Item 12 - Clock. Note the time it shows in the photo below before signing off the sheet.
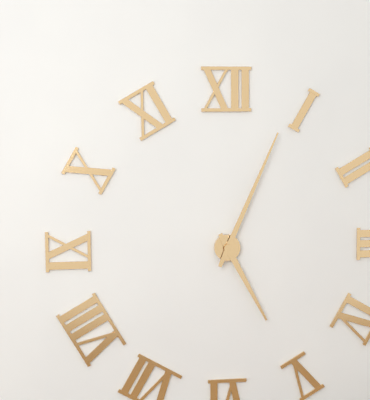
5:04
